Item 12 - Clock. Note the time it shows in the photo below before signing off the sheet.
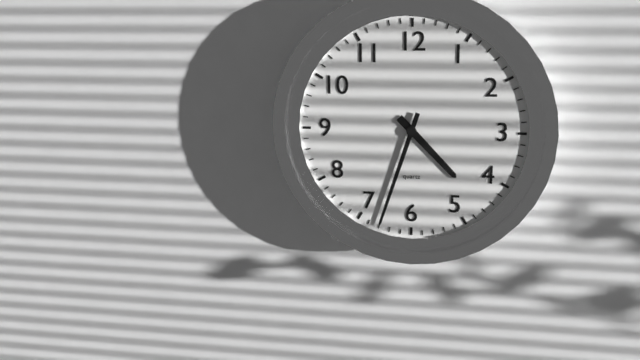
4:33
